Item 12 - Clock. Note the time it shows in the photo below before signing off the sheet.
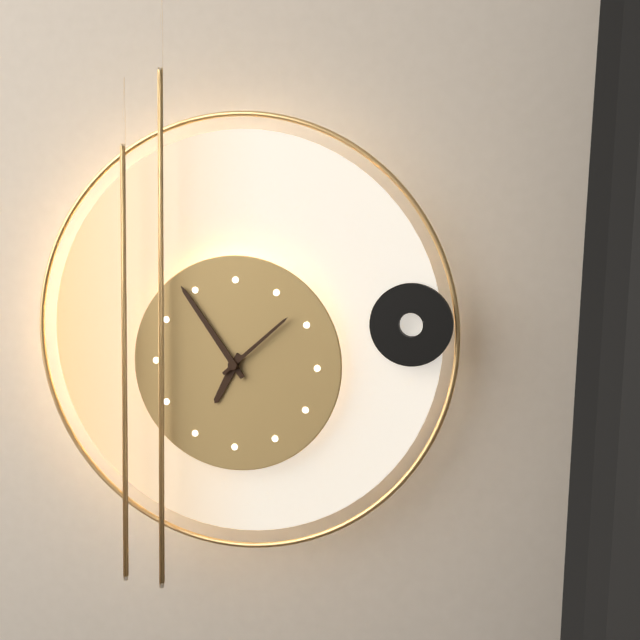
6:54:08
